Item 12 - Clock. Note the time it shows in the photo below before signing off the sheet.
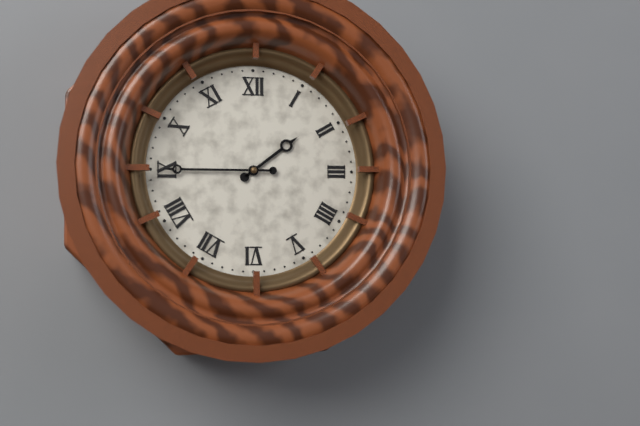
1:45
